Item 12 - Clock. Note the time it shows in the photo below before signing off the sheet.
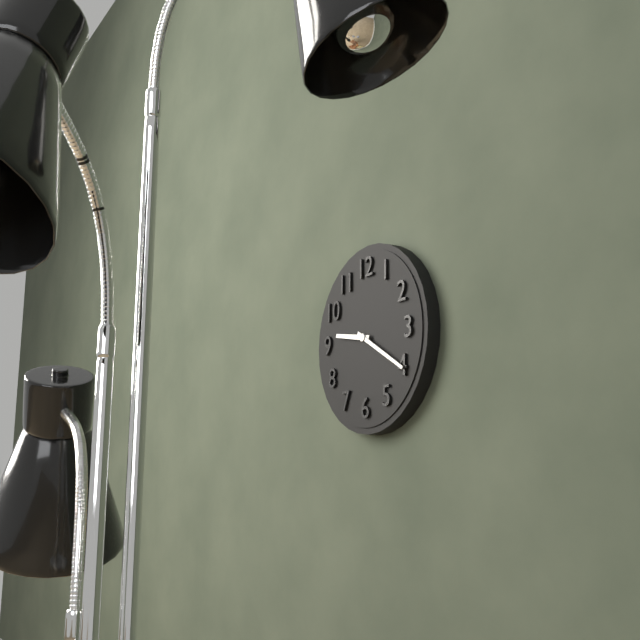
9:20
